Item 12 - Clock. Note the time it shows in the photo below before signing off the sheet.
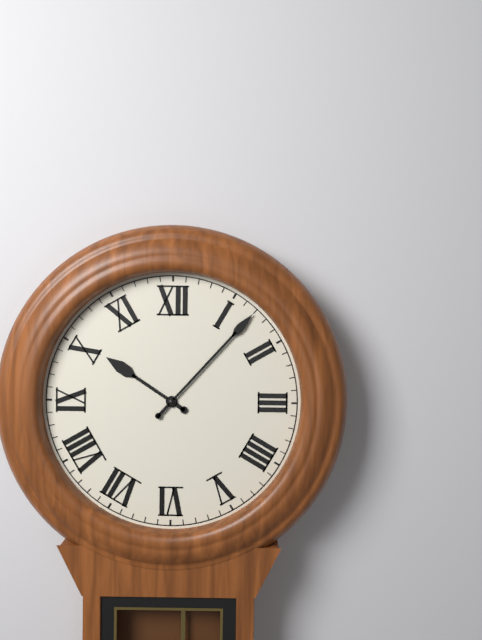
10:07
